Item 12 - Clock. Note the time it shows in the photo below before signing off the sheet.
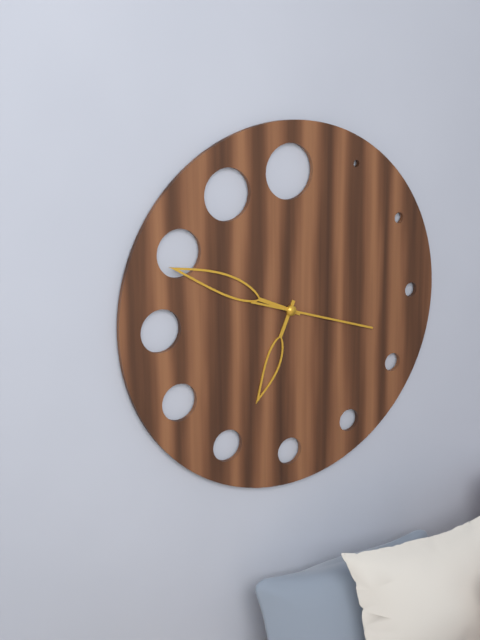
6:49:18
